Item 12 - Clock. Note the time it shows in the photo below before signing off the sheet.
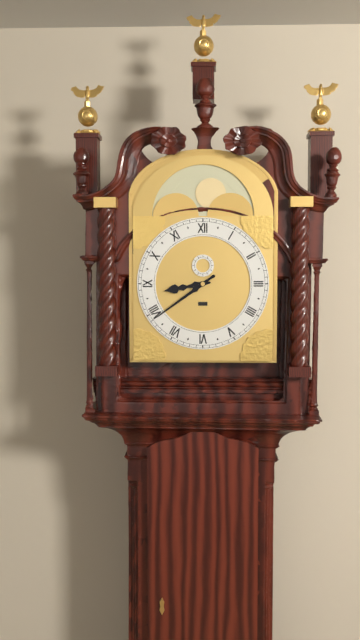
8:39
